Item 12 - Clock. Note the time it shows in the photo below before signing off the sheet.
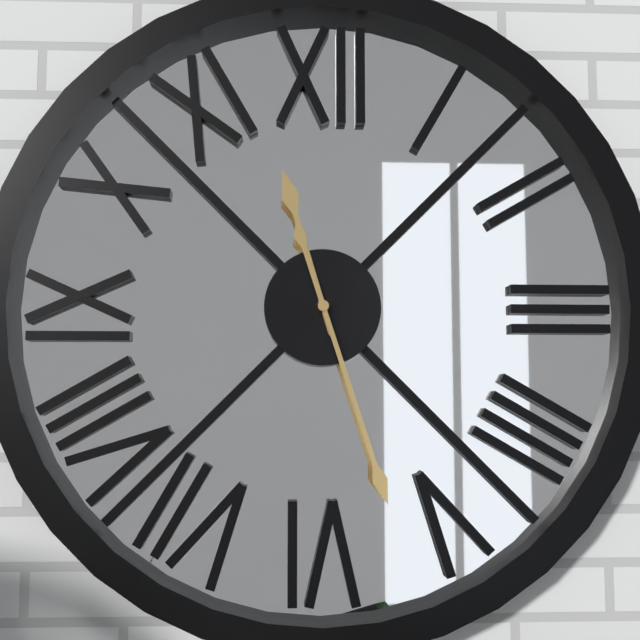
11:27
